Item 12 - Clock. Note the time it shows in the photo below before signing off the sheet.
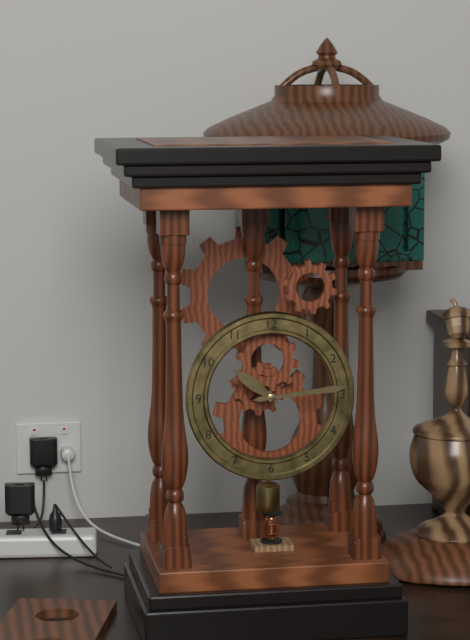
10:14
